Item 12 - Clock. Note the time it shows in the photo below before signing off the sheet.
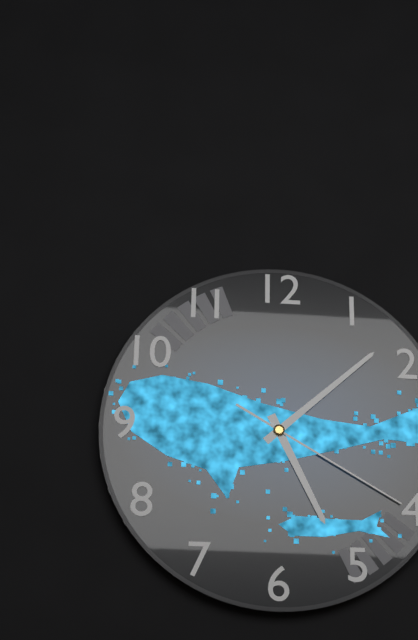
5:08:20
